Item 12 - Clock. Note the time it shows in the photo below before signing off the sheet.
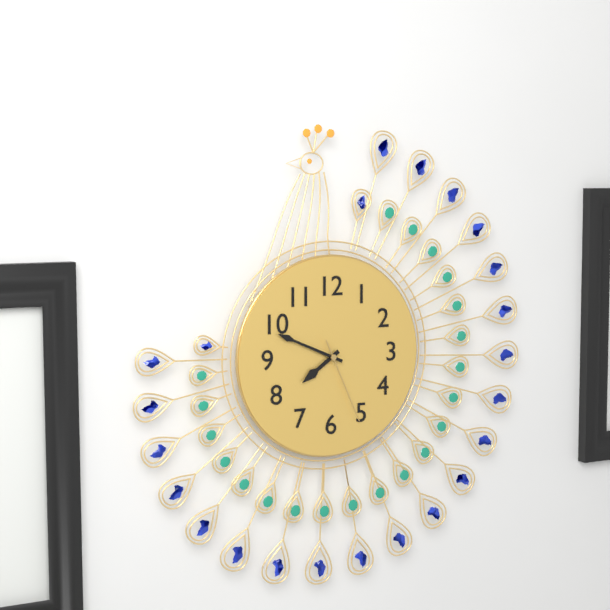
7:49:26
